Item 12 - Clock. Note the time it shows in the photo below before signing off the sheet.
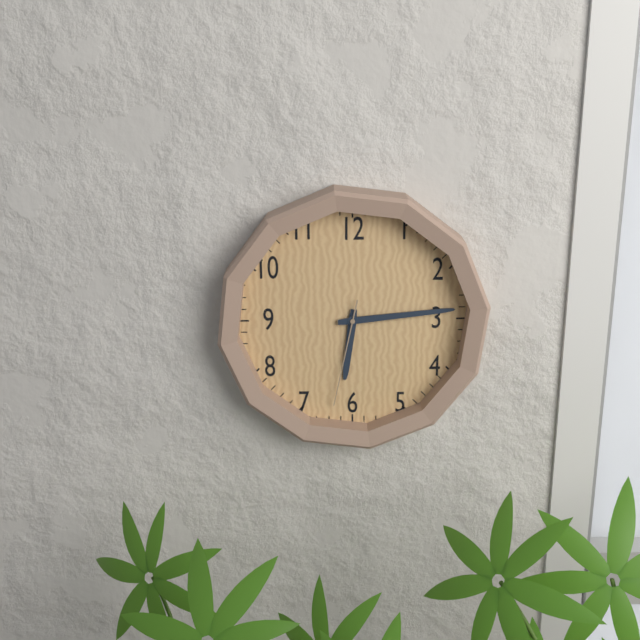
6:14:32
